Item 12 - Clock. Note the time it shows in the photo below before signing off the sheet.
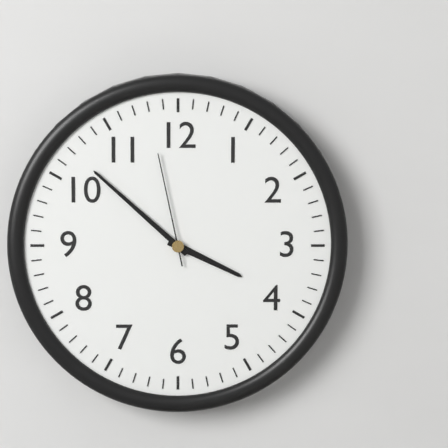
3:52:58
